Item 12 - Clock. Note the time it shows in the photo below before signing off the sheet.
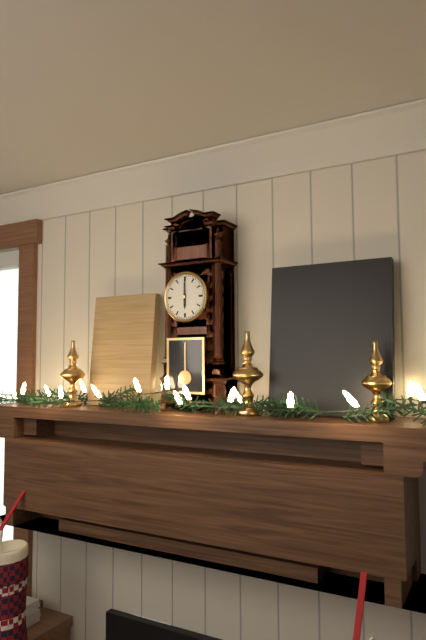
6:00
